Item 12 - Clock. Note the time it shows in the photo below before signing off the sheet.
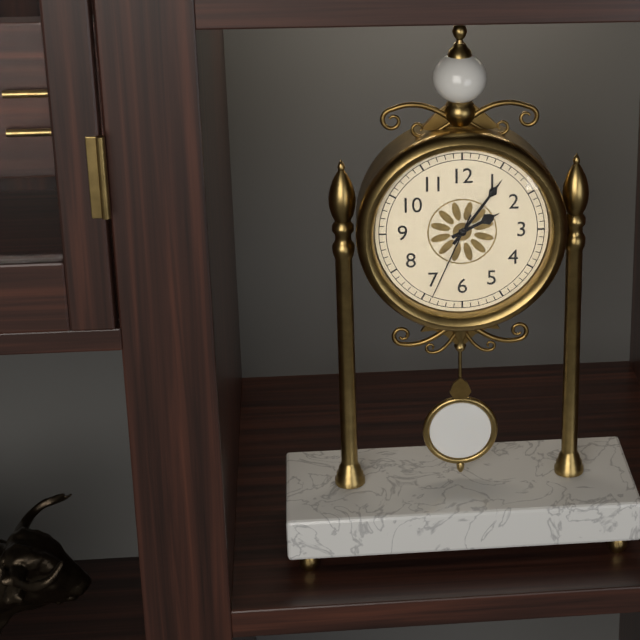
2:06:34
